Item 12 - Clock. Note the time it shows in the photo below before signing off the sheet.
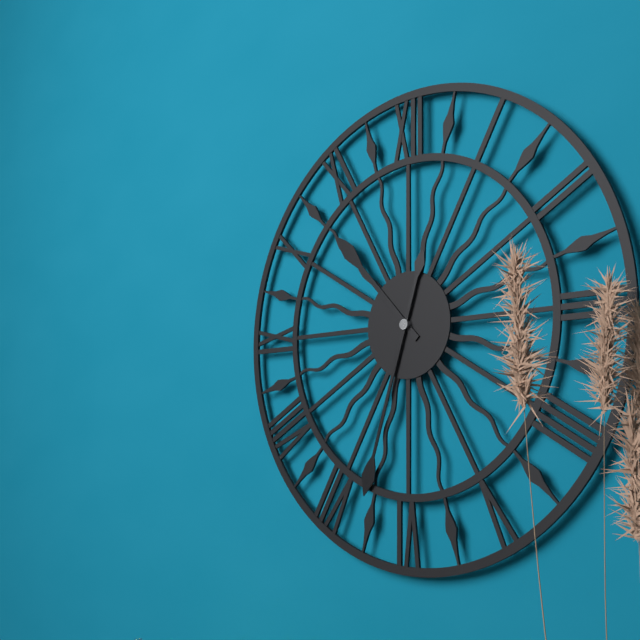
10:33
